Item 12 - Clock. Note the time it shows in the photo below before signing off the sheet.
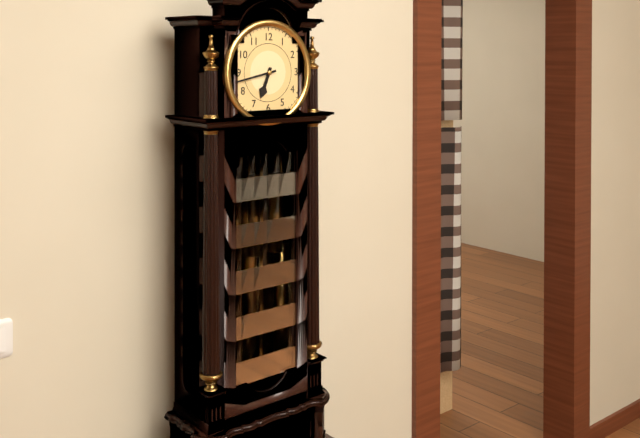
6:43
